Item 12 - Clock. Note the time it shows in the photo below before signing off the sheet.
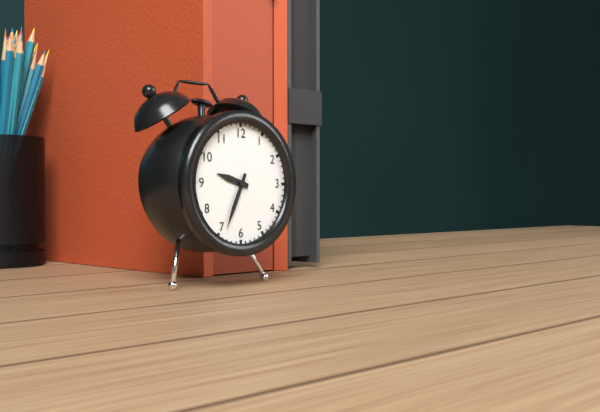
9:34
